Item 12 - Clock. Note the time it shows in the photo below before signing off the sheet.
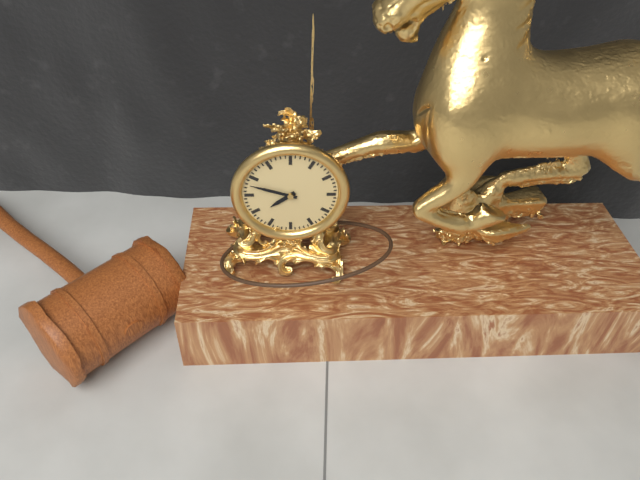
7:48
